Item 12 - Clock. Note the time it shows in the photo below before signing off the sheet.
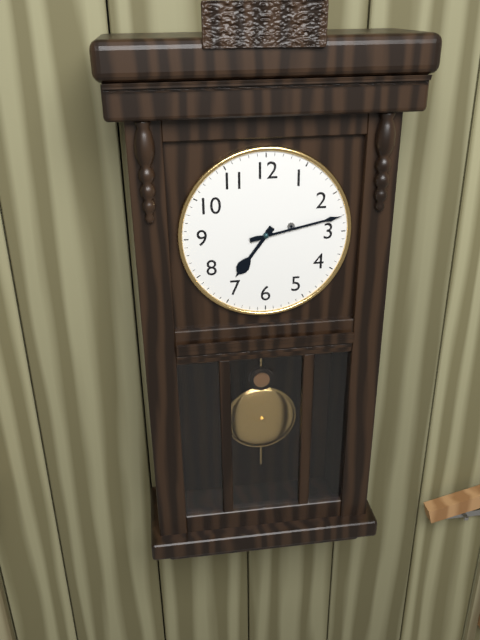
7:13
